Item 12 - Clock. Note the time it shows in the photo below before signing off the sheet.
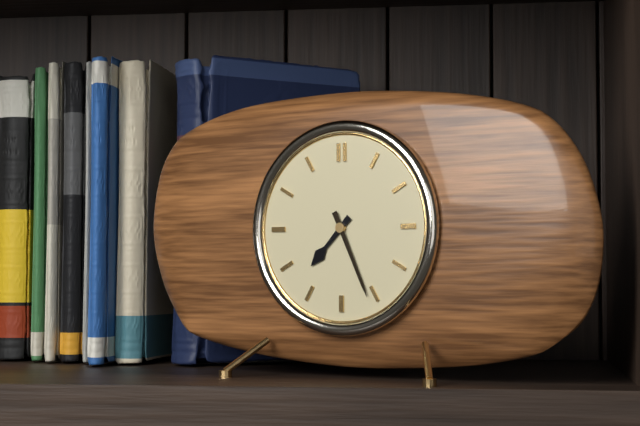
7:26
